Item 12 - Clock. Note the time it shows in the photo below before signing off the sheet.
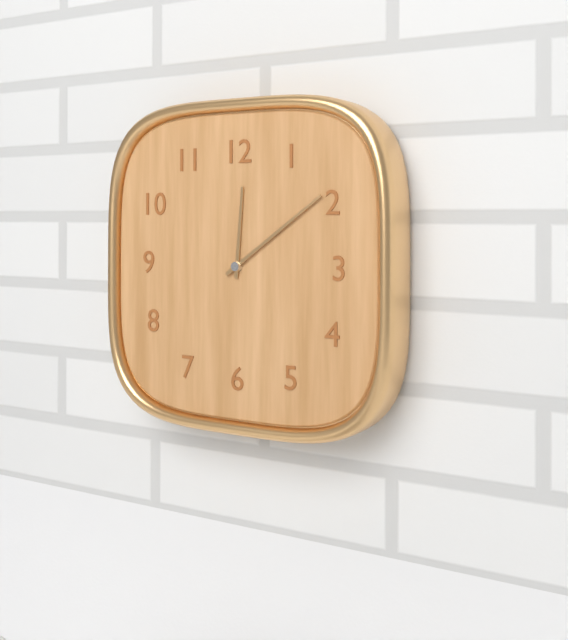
12:09
